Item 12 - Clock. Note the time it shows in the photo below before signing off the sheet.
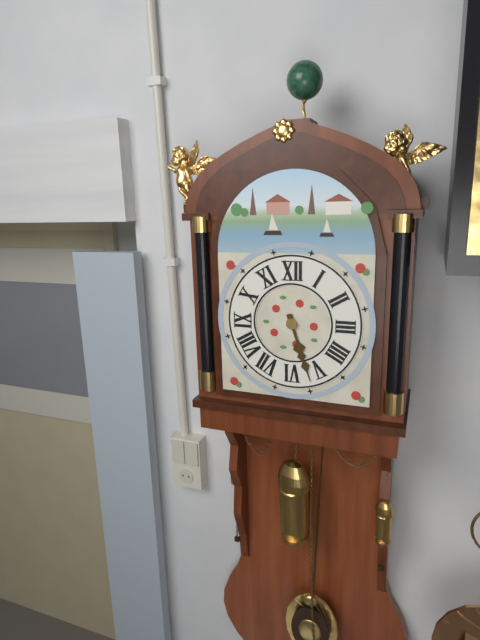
5:27
